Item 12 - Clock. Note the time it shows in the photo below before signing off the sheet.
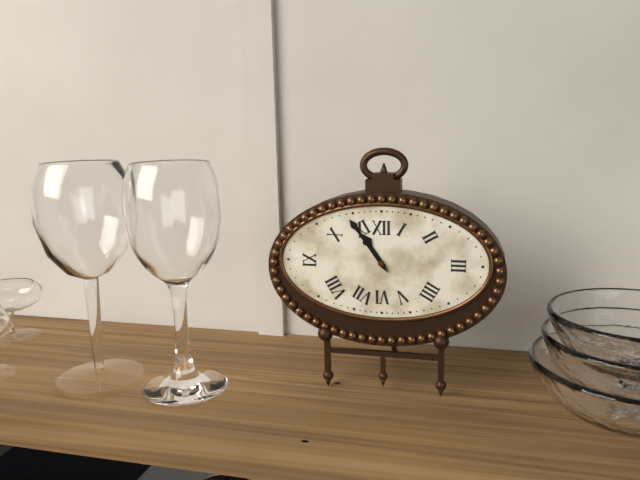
10:54
